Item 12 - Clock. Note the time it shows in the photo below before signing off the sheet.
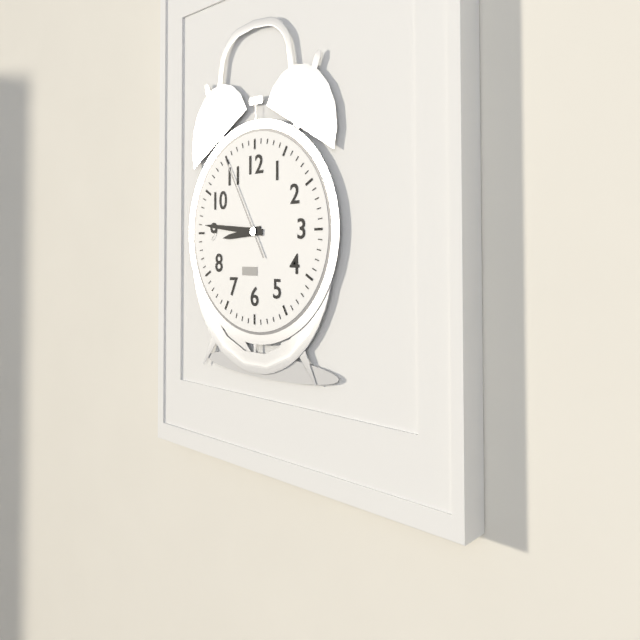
8:46:55
